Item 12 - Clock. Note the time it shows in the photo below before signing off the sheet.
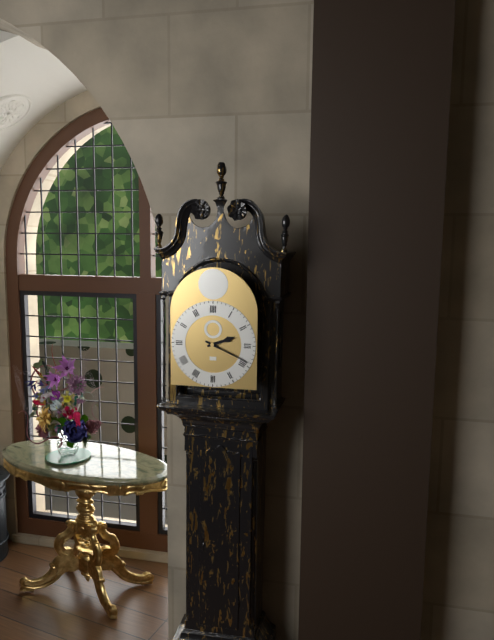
2:19
